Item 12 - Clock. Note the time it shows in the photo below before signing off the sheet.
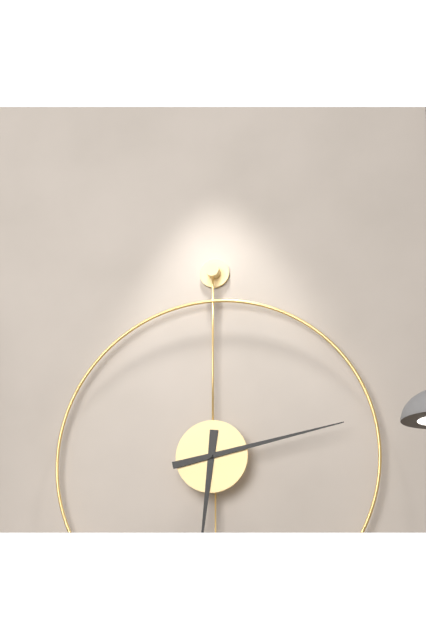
6:13
